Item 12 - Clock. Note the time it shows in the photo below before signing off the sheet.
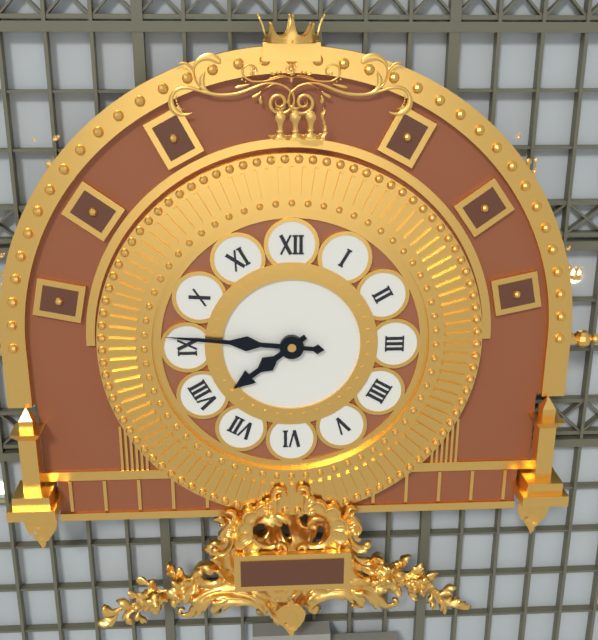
7:46
